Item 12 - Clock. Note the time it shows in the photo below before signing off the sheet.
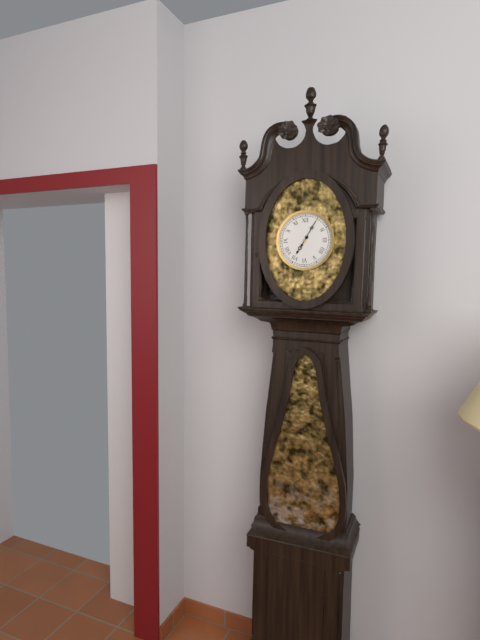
7:05
